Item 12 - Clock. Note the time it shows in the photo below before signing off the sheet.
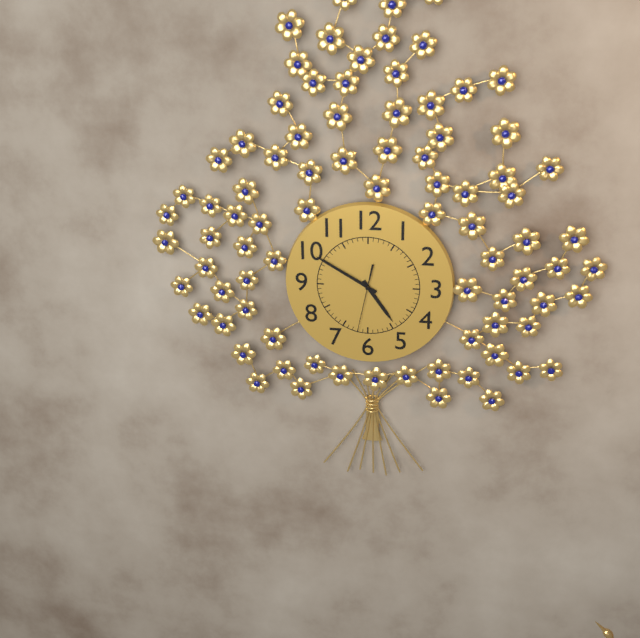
4:50:32
